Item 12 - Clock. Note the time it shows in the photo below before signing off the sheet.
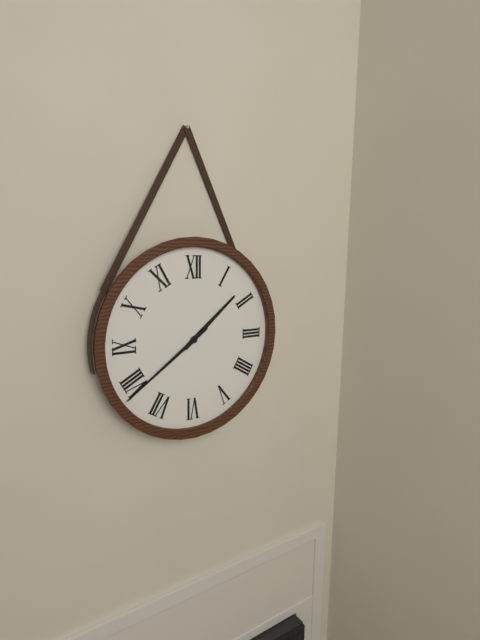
1:39
